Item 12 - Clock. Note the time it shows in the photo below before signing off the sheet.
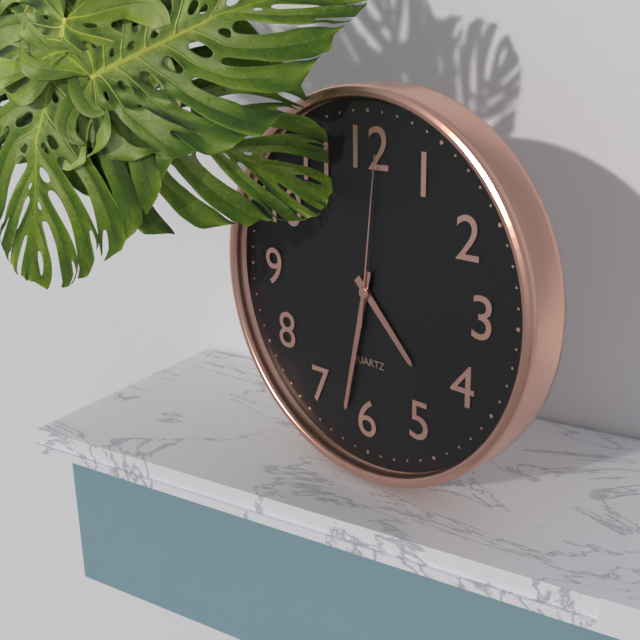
4:32:01
